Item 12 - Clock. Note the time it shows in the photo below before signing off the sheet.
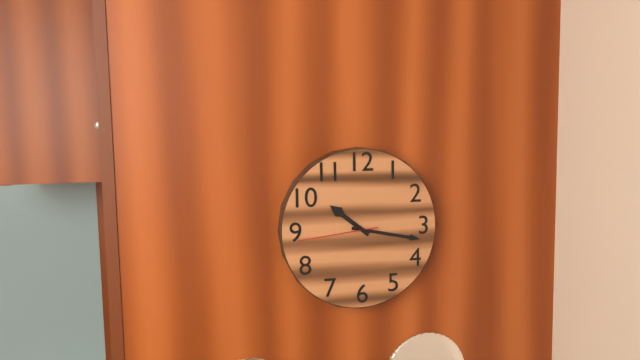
10:17:44
